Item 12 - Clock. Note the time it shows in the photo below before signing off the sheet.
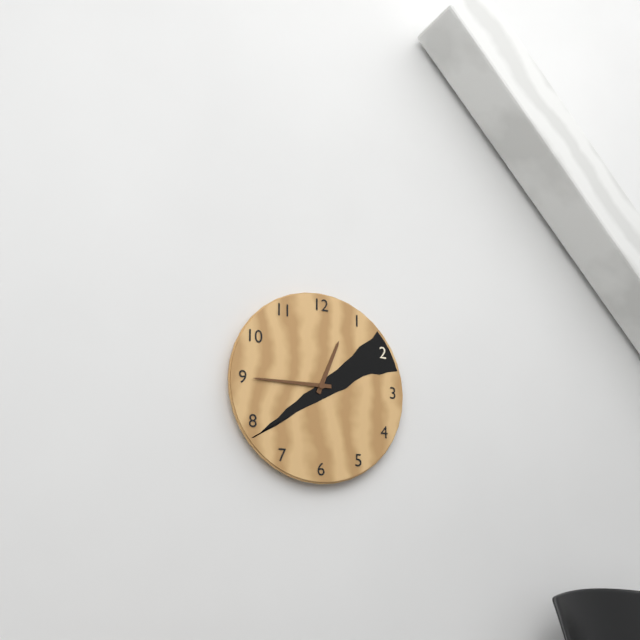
12:45
